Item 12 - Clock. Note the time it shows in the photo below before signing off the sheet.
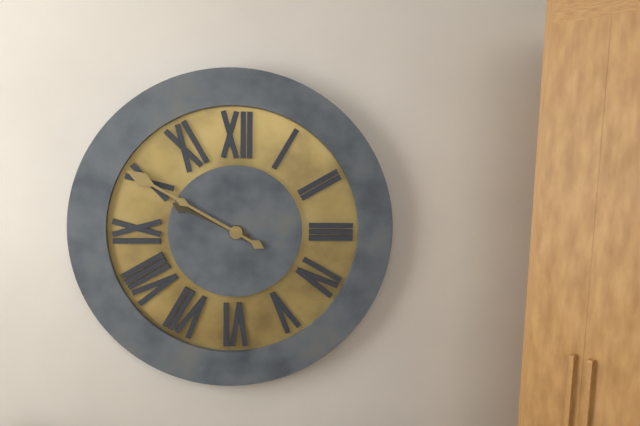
9:50
